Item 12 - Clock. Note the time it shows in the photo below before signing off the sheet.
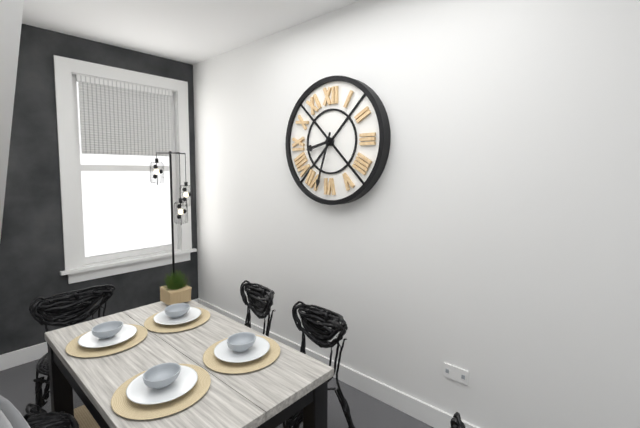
8:33
